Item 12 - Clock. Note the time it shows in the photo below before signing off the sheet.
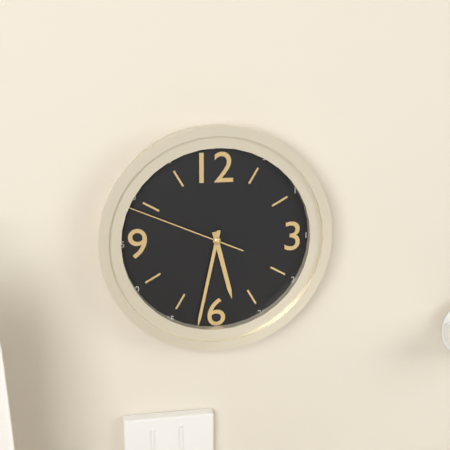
5:32:49
